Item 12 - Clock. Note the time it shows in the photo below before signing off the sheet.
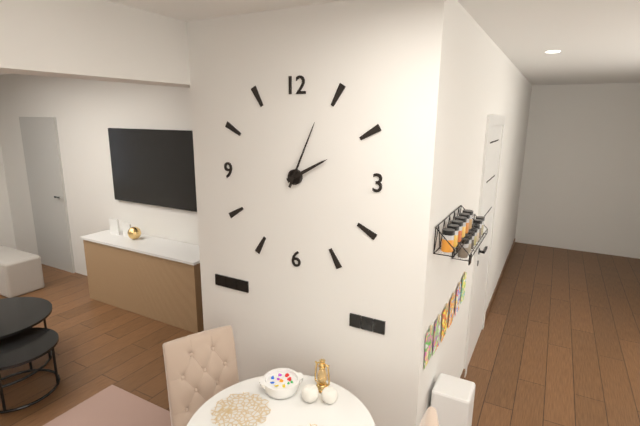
2:04
